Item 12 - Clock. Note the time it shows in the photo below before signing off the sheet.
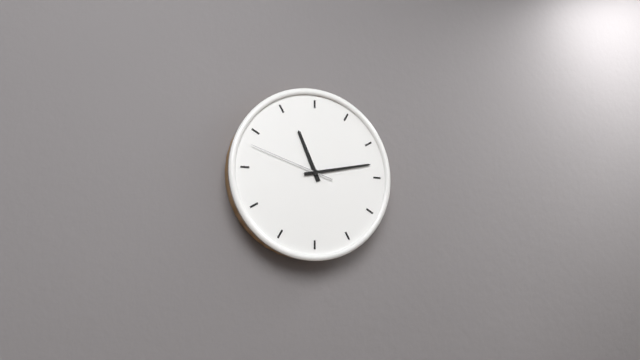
11:13:48
